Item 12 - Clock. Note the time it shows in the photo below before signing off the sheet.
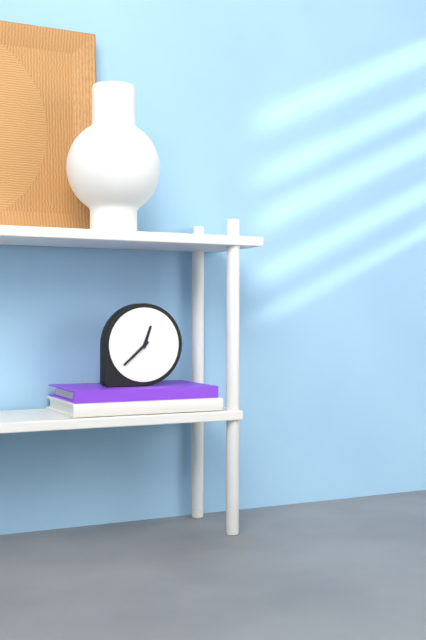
12:38
